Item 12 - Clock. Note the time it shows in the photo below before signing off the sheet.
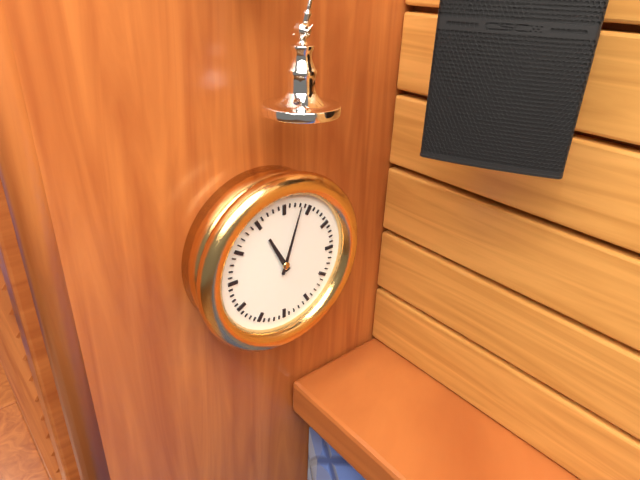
11:03
